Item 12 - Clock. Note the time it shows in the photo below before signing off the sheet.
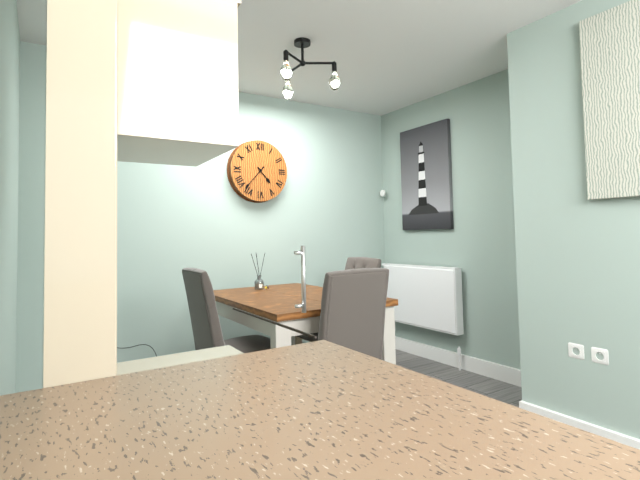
4:37
